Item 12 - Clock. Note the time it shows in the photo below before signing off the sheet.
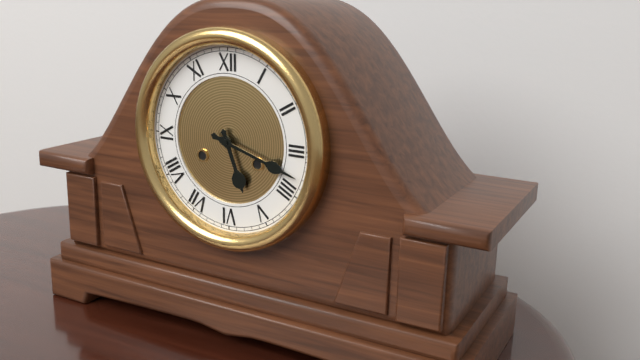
5:18
